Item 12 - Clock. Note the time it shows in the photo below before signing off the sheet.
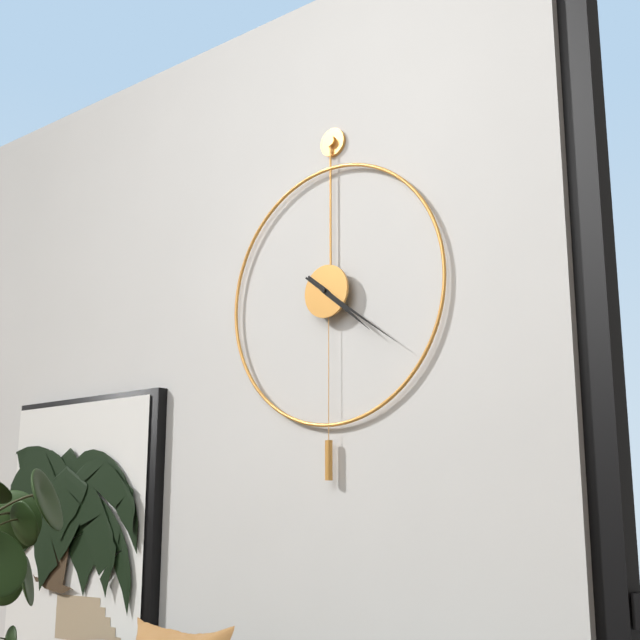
4:21
